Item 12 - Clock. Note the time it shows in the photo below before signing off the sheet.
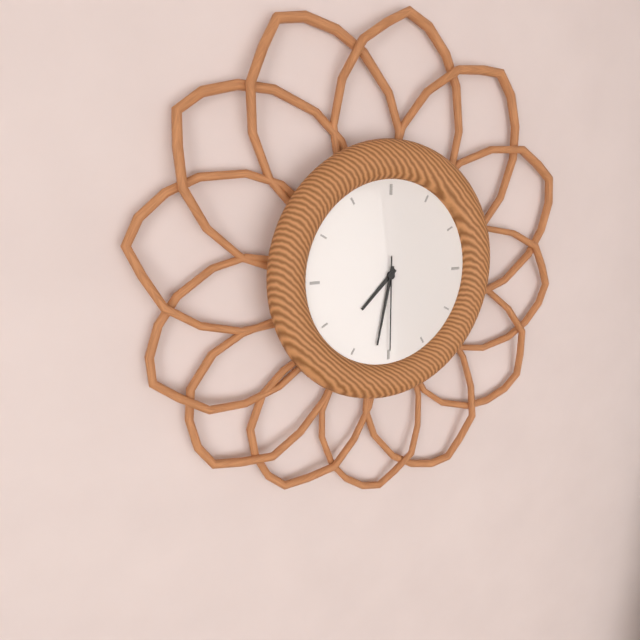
7:32:30
